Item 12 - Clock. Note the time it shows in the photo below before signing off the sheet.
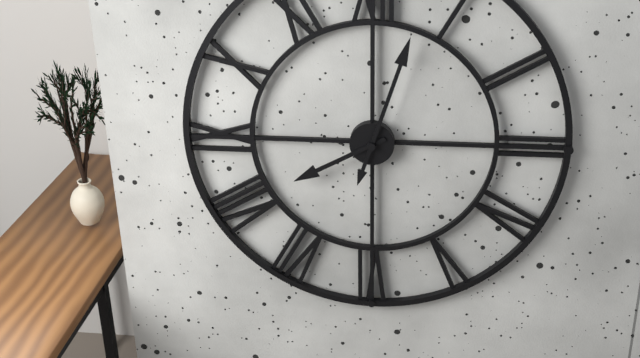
8:03
